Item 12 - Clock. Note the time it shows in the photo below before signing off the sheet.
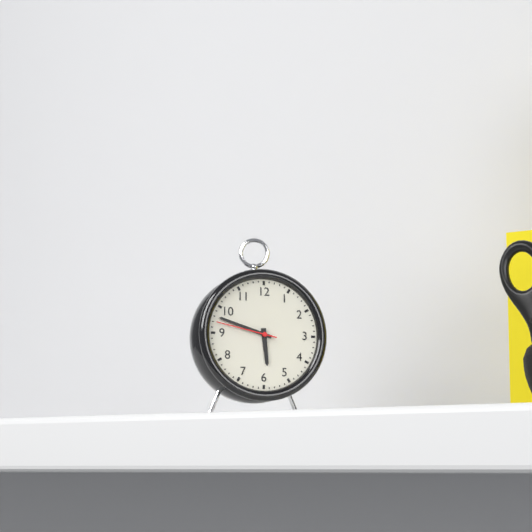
5:48:47
